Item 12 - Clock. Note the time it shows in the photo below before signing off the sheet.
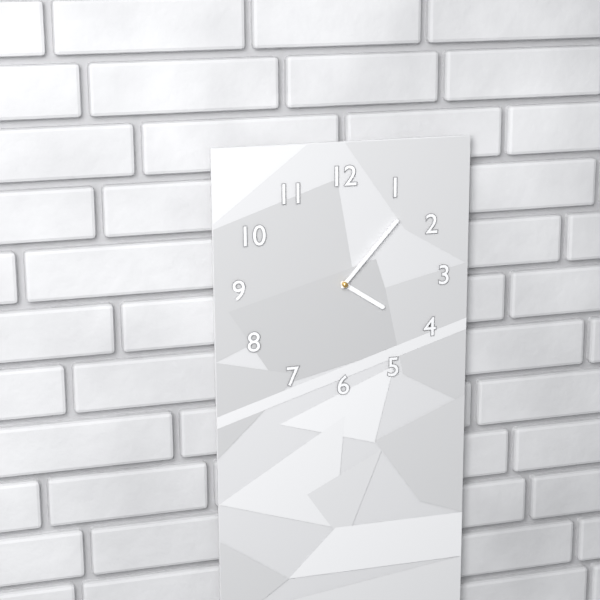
4:07
